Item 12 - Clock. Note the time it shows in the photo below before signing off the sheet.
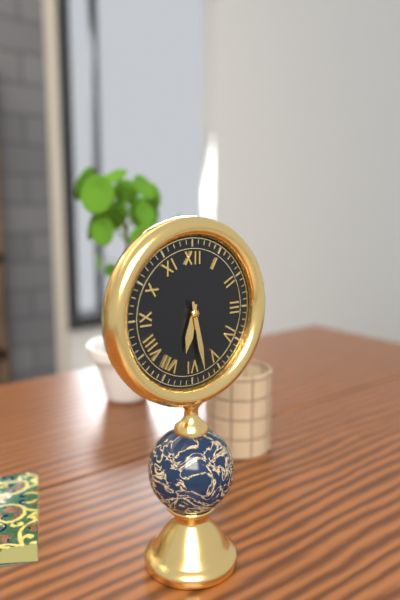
6:28
